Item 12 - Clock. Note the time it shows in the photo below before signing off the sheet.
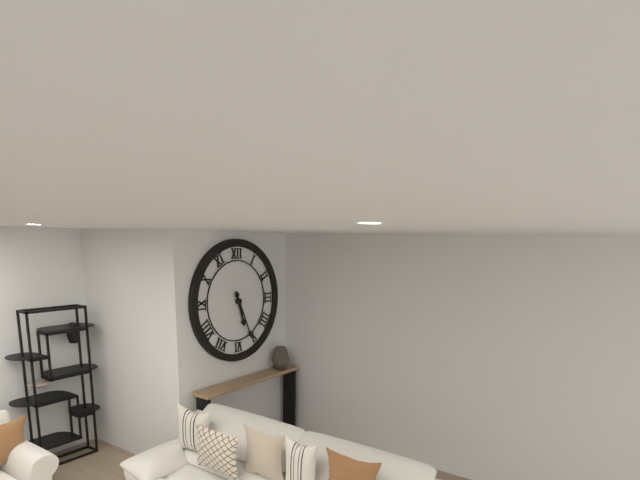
5:26
